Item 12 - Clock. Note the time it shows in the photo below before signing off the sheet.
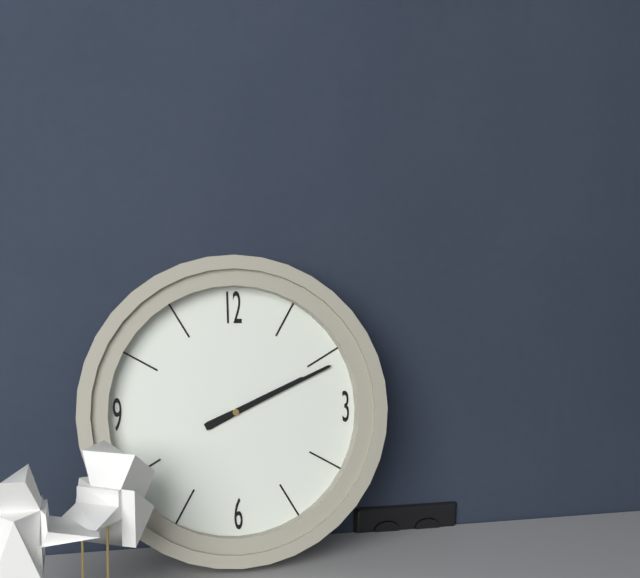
2:11
